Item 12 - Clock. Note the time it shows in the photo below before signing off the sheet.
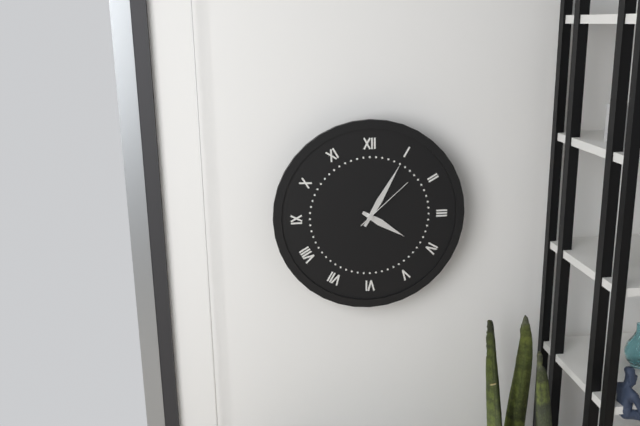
4:05:08
